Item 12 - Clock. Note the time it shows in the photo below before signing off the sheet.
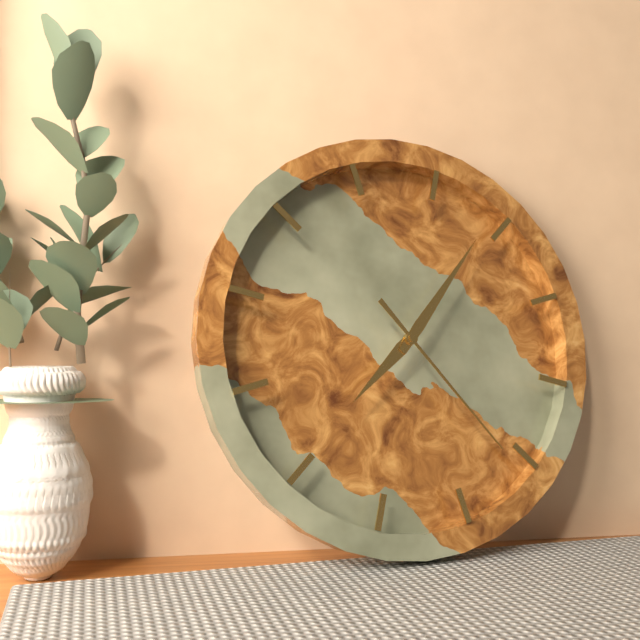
7:04:21
